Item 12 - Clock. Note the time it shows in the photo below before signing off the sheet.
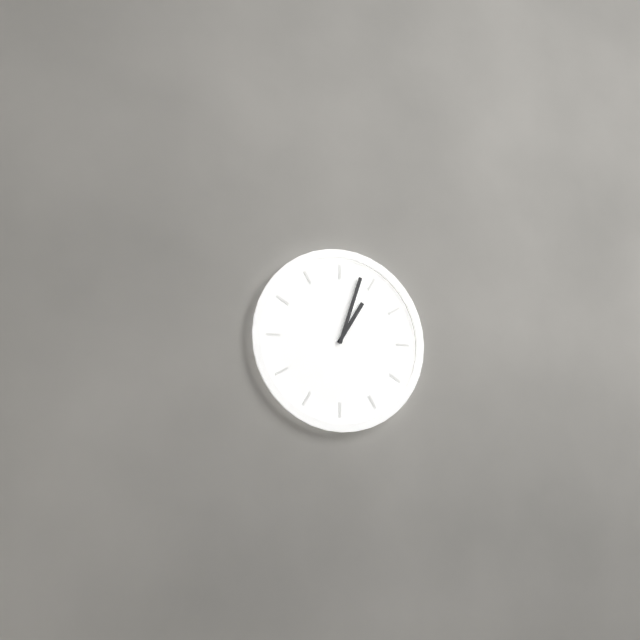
1:03
